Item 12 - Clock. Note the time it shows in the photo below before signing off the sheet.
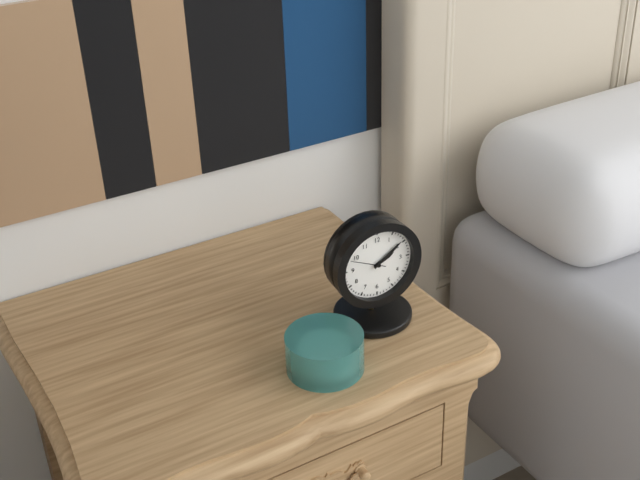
2:09
